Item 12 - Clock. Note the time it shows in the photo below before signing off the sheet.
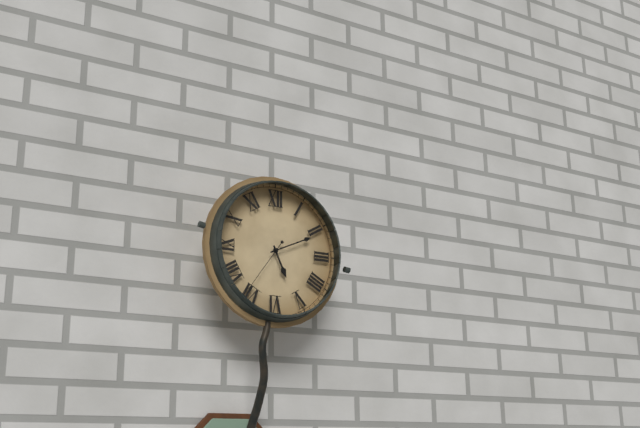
5:11:36
